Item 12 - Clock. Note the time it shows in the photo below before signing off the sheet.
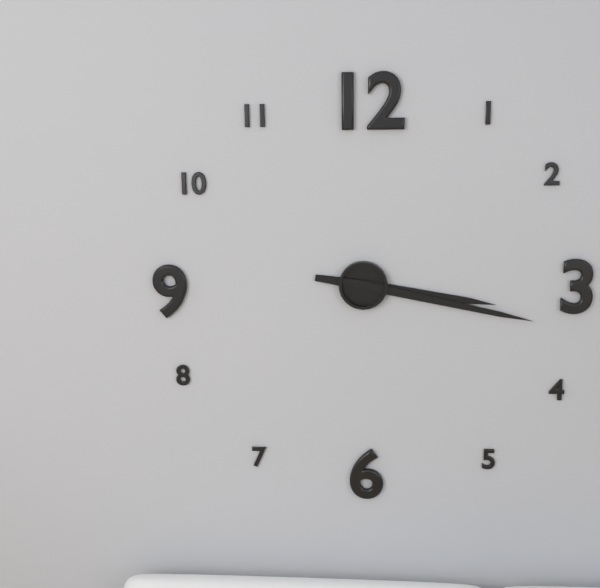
3:17
